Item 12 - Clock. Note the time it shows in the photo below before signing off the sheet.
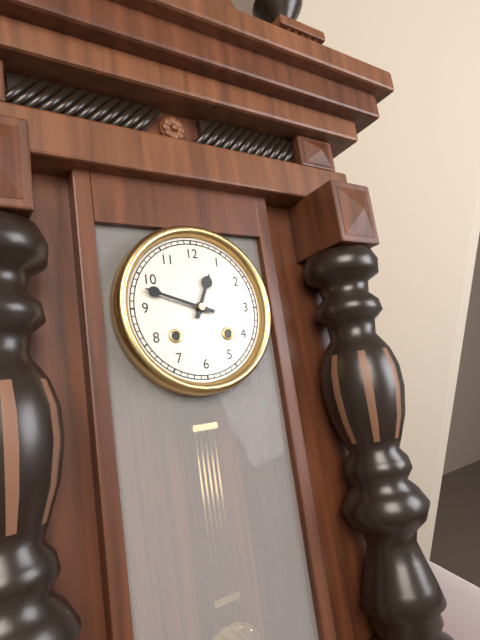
12:48
